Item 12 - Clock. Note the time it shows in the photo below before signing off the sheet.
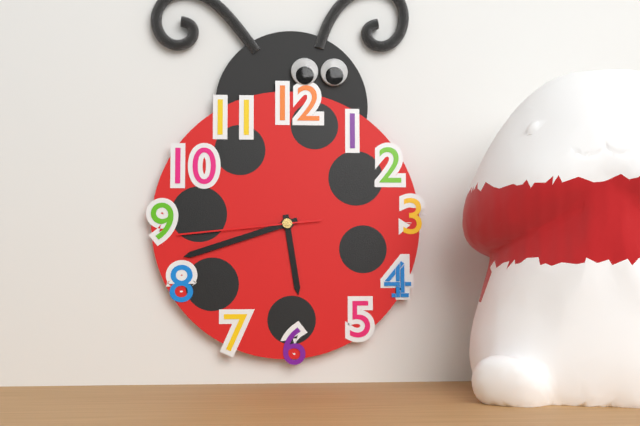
5:42:44
